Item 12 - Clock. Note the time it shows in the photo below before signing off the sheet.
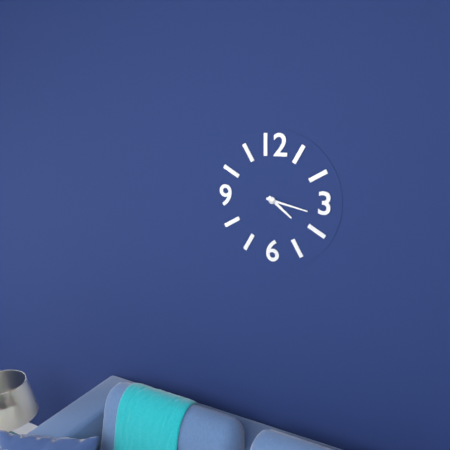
4:17
